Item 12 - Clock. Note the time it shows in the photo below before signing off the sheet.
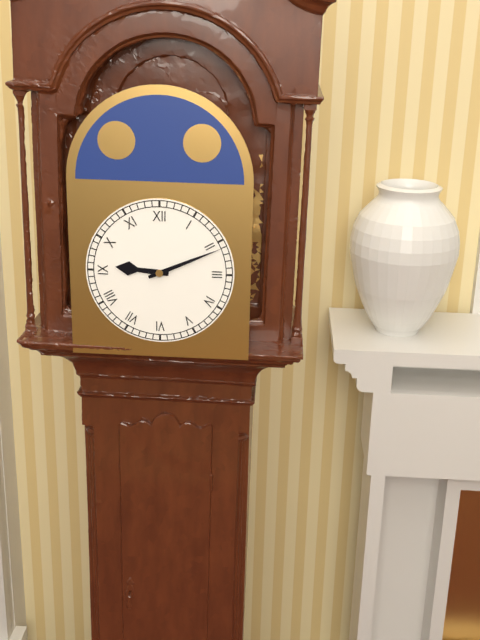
9:11
